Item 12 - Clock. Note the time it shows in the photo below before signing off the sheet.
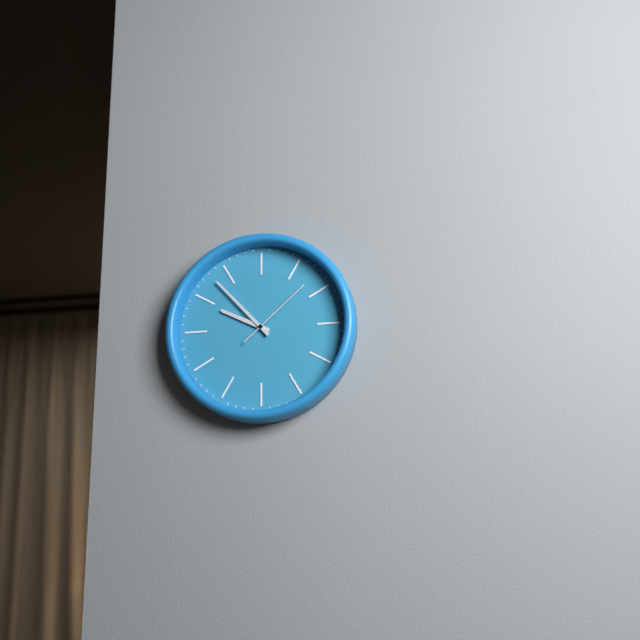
9:53:08
